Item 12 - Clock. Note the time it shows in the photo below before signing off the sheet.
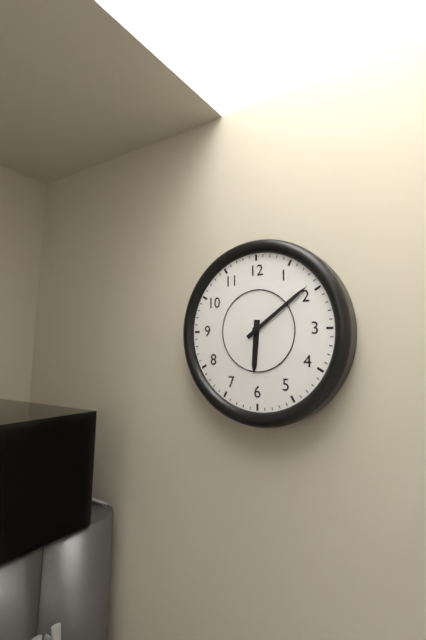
6:09
